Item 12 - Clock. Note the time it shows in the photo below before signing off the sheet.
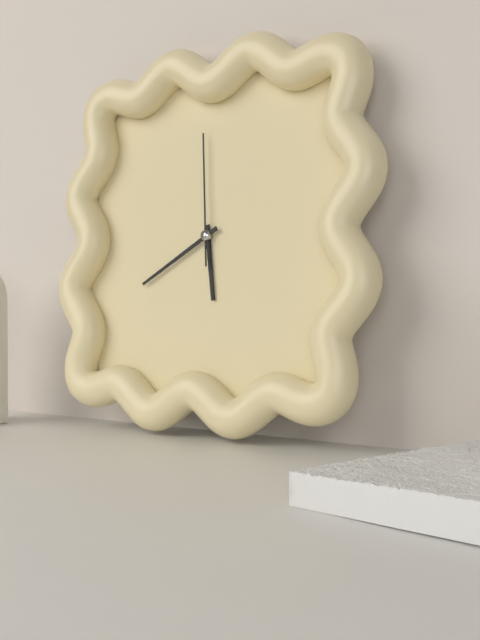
5:40:59
